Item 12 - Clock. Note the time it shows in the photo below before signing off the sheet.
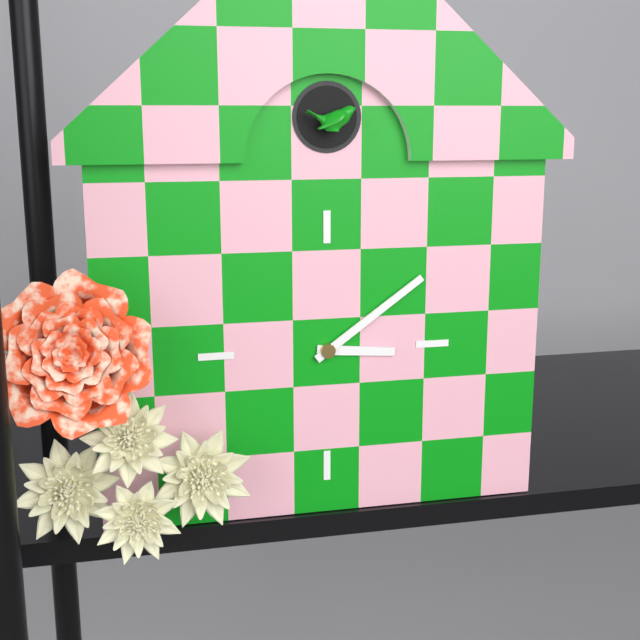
3:09
